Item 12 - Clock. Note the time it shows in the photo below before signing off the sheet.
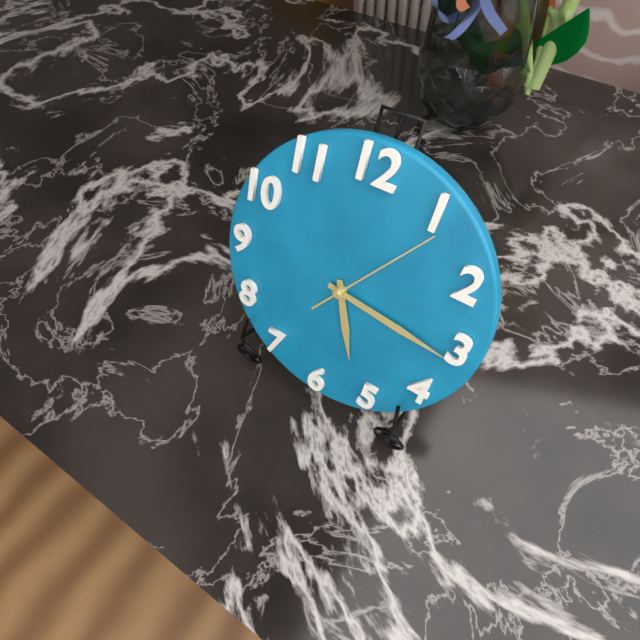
5:16:06
